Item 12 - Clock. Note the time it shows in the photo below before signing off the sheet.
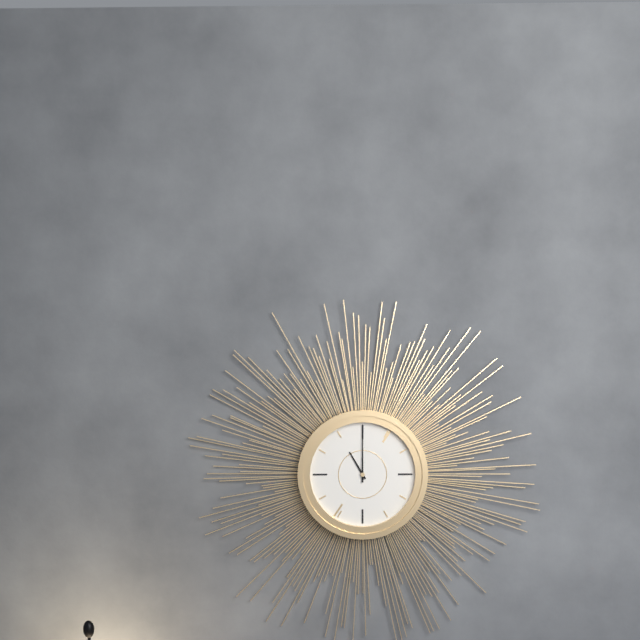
11:00
